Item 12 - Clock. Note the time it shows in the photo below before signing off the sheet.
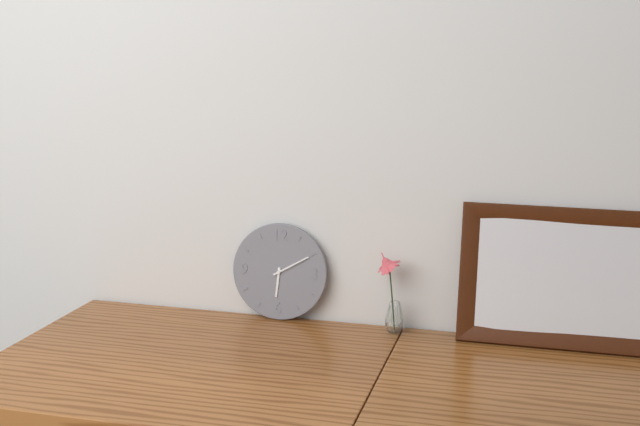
6:10
